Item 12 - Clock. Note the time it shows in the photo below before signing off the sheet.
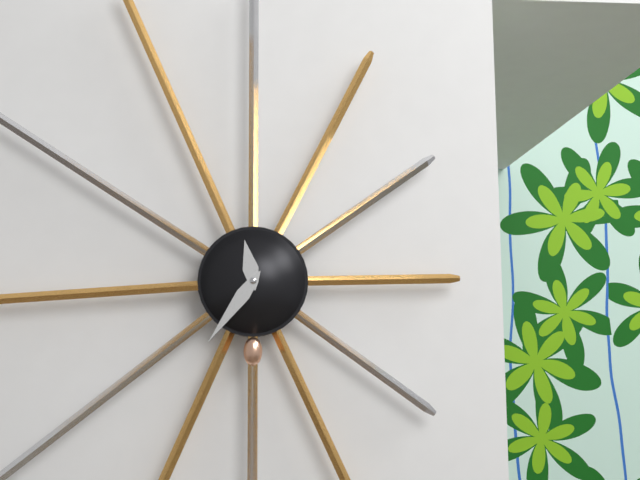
11:36
